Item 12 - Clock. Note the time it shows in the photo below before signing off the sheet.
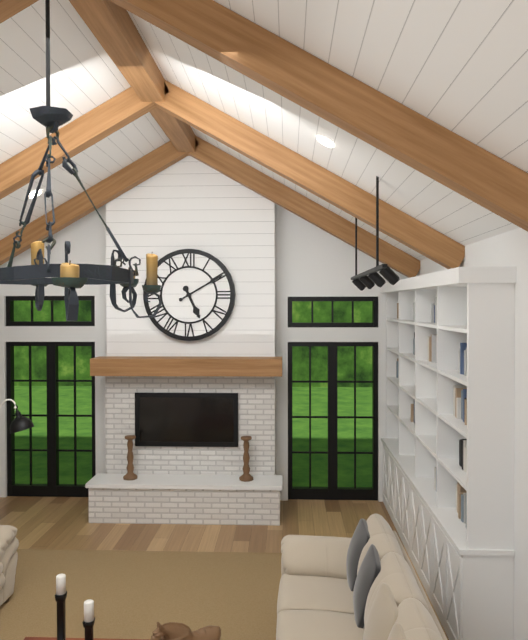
5:10
